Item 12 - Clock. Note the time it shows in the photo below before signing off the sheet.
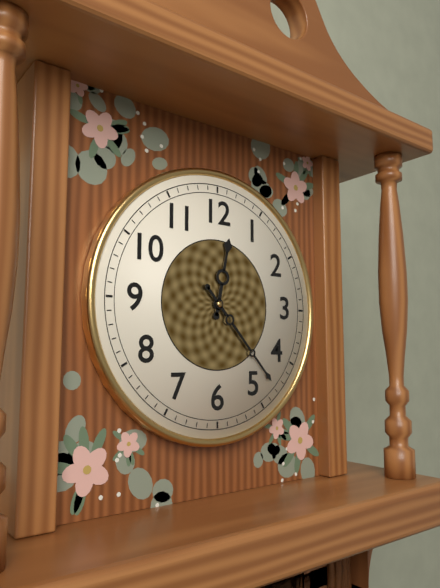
12:23
